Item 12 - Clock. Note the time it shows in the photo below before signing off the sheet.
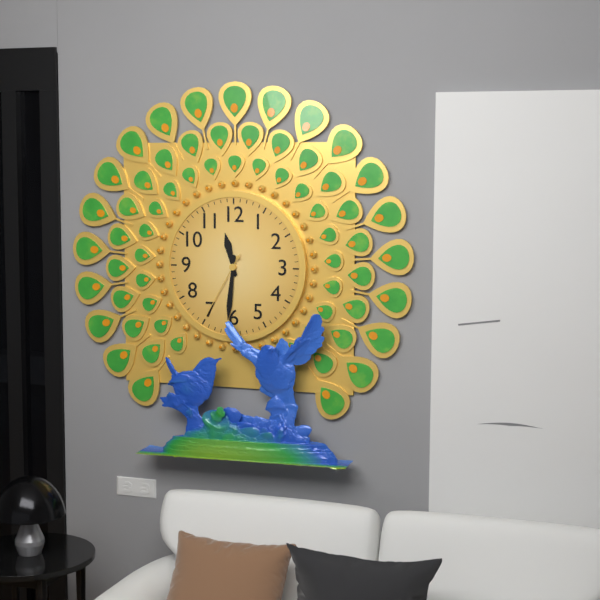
11:31:35
